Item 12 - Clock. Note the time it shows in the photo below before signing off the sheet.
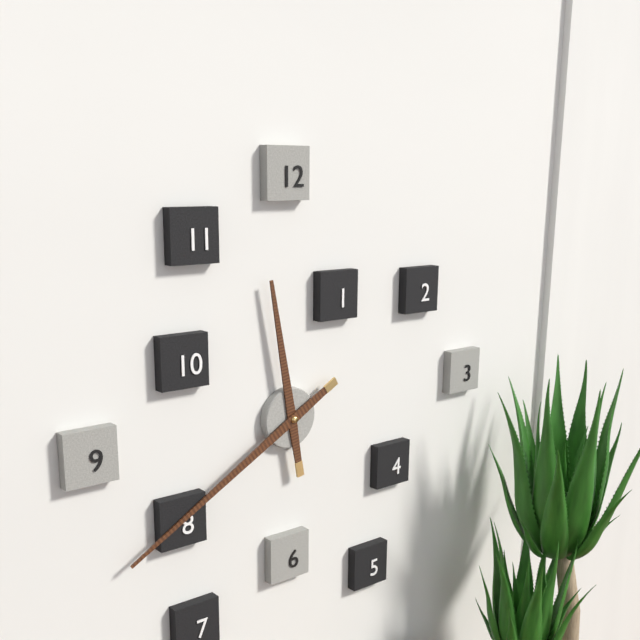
11:40
